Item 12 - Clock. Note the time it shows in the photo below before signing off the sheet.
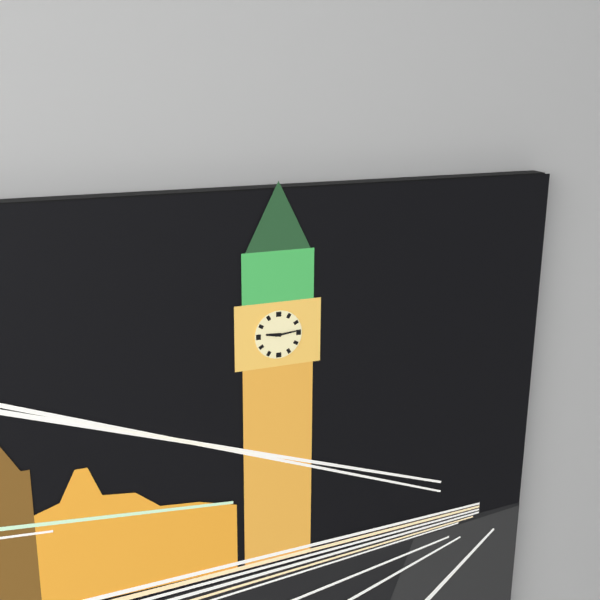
9:14
